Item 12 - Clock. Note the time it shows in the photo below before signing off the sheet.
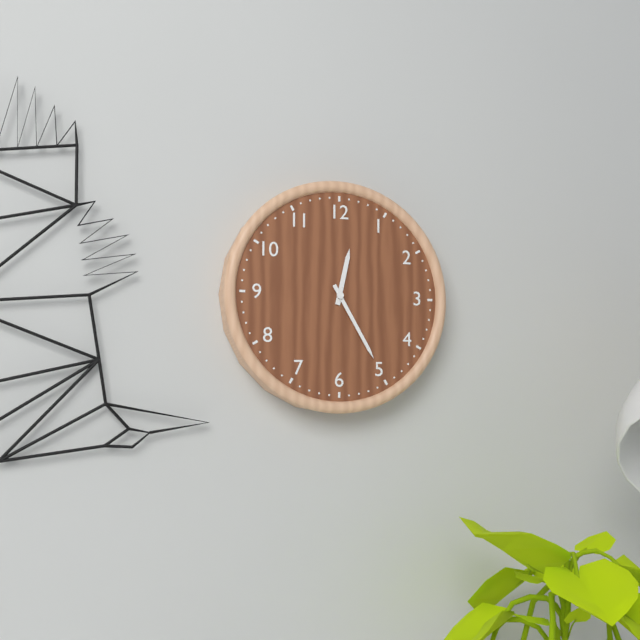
12:25
